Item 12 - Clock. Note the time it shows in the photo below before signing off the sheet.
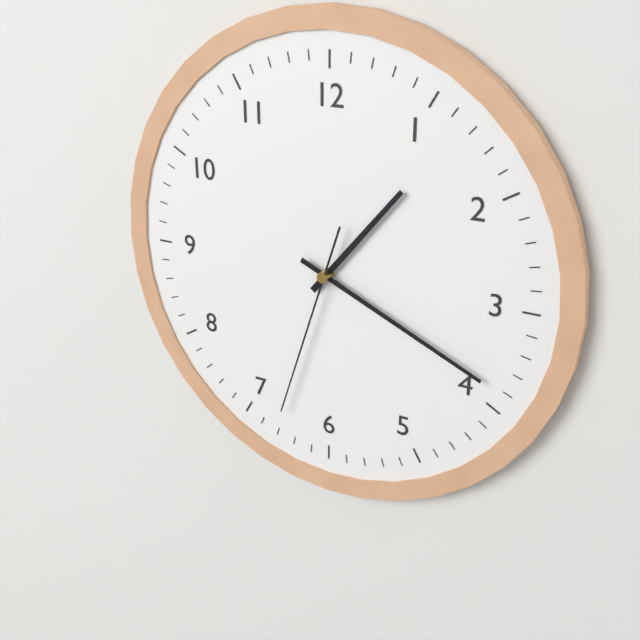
1:19:33
